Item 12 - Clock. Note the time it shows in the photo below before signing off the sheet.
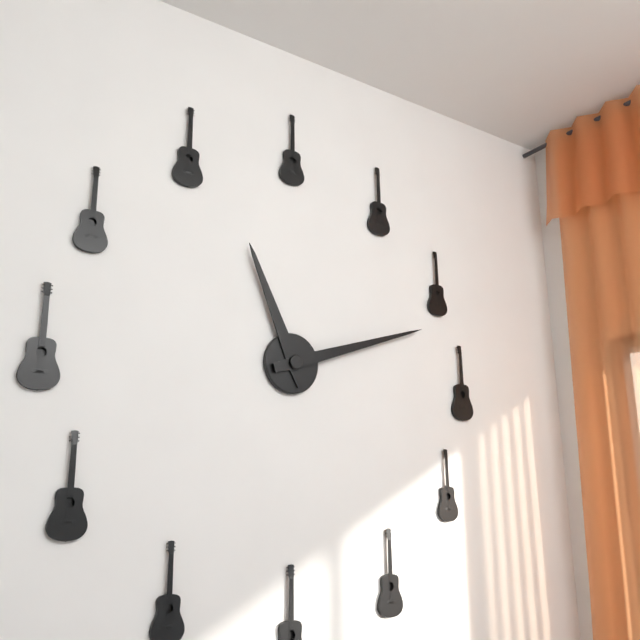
11:12
